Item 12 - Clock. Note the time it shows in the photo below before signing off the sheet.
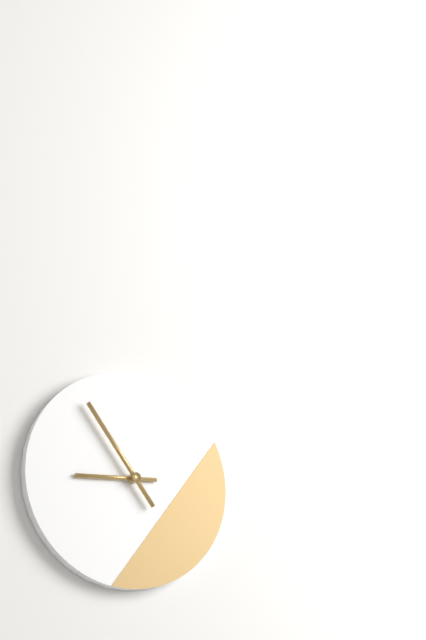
8:54
